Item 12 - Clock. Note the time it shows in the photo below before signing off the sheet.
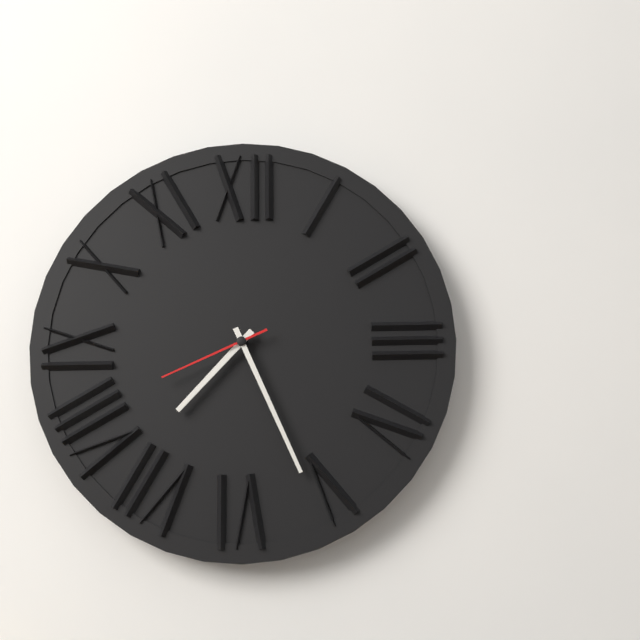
7:26:41
